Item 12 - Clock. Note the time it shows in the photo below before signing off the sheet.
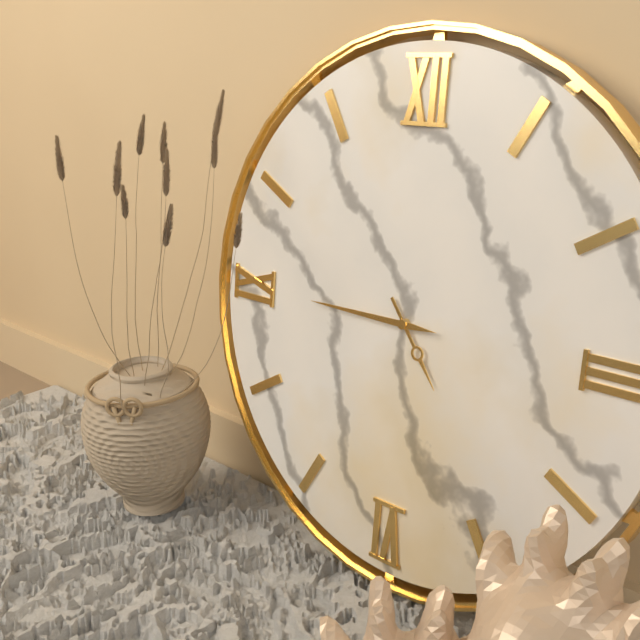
4:45
